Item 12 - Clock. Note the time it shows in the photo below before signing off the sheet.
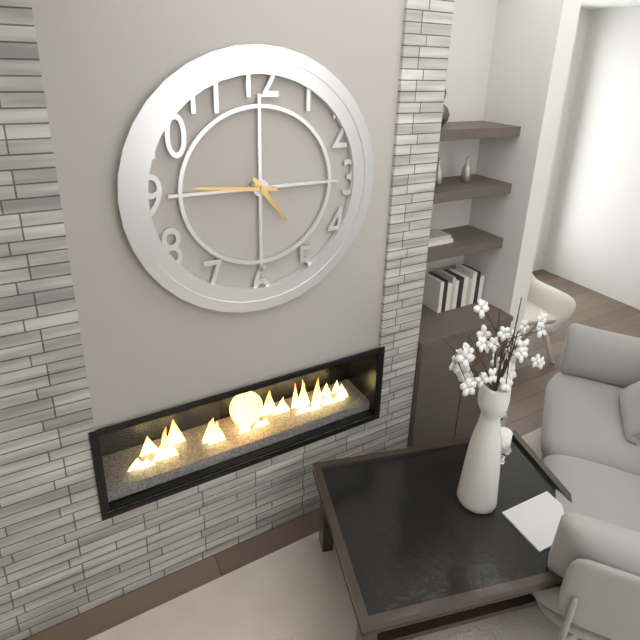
4:46
